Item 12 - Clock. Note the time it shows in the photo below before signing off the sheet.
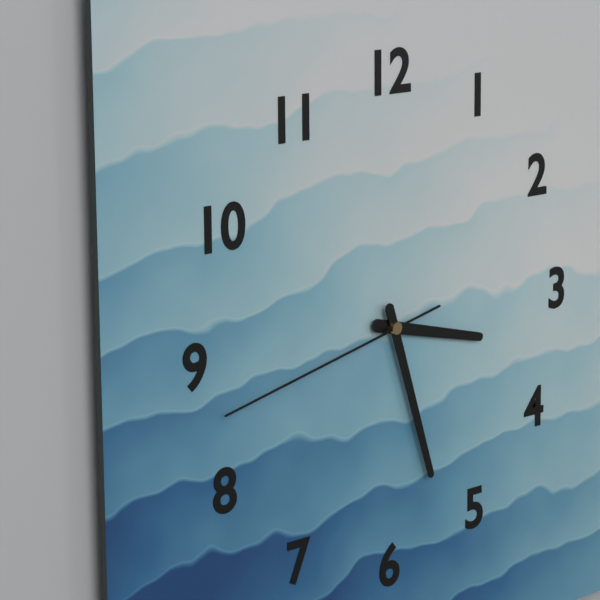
3:27:43
